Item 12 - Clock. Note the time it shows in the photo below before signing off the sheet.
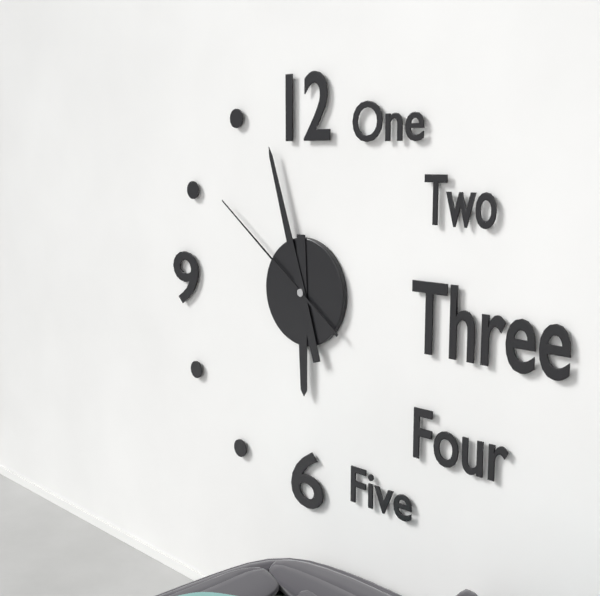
5:57:51
